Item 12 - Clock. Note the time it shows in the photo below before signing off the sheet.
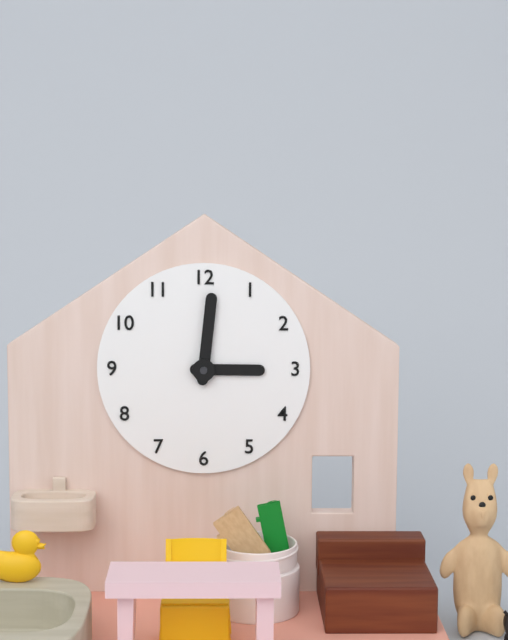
3:01
